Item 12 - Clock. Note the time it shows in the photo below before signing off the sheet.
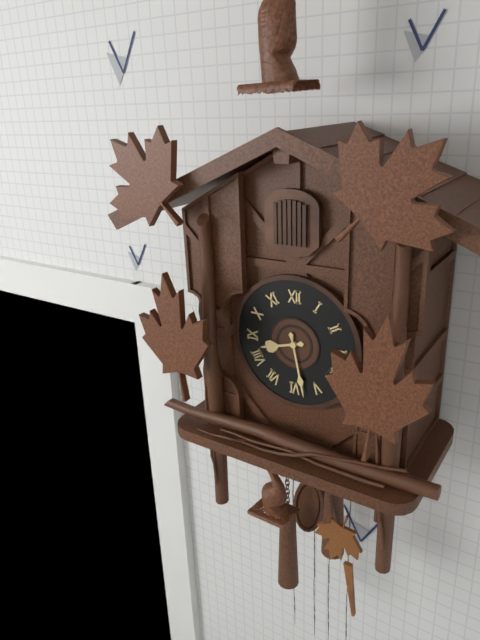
8:28
